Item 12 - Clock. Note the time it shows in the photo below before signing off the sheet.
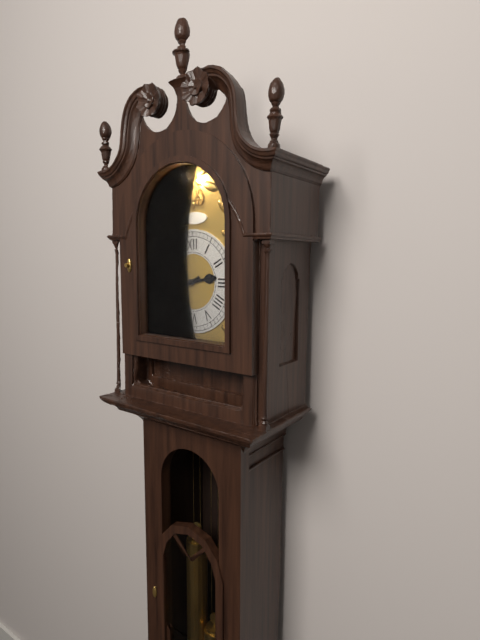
2:41
